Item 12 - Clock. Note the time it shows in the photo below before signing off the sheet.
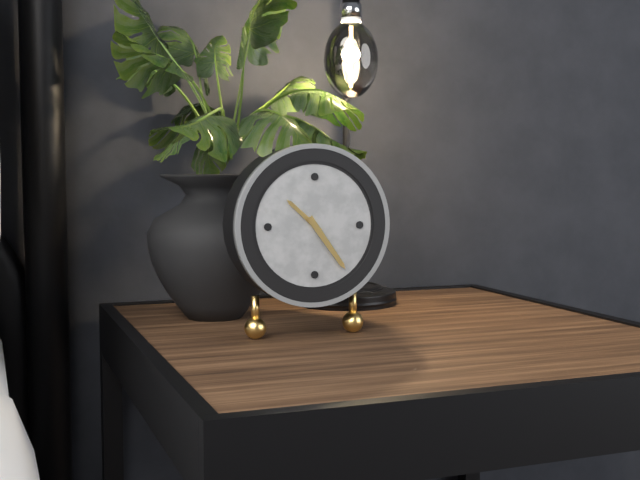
10:24
